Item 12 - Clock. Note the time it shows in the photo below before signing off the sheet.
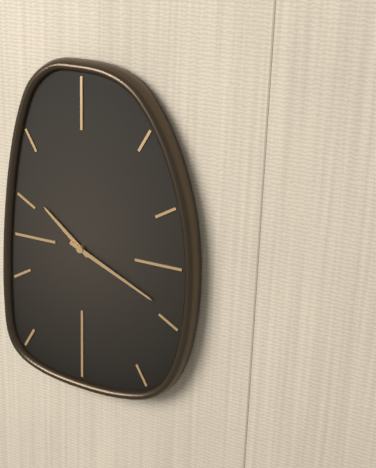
10:19
